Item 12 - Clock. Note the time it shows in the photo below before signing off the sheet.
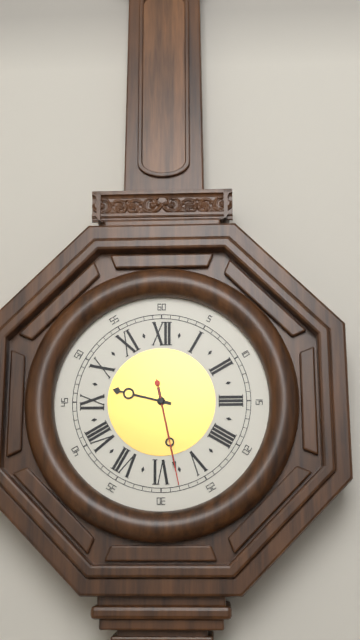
9:28:28
